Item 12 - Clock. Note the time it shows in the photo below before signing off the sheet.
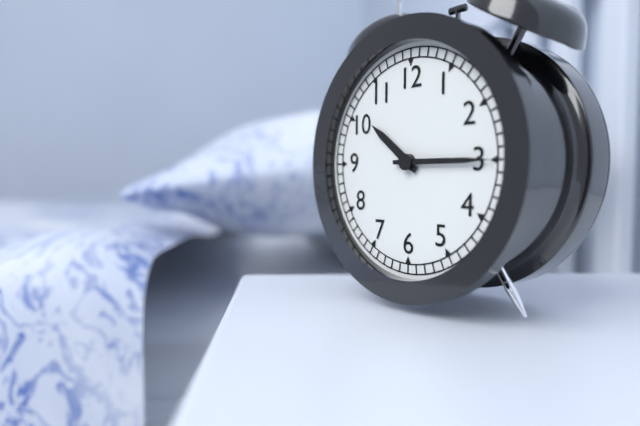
10:15
